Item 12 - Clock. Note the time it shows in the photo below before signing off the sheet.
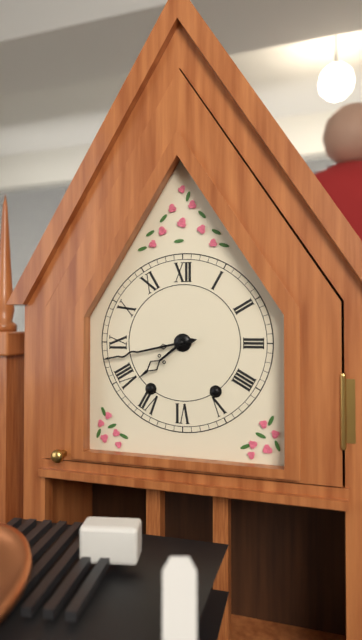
7:43
